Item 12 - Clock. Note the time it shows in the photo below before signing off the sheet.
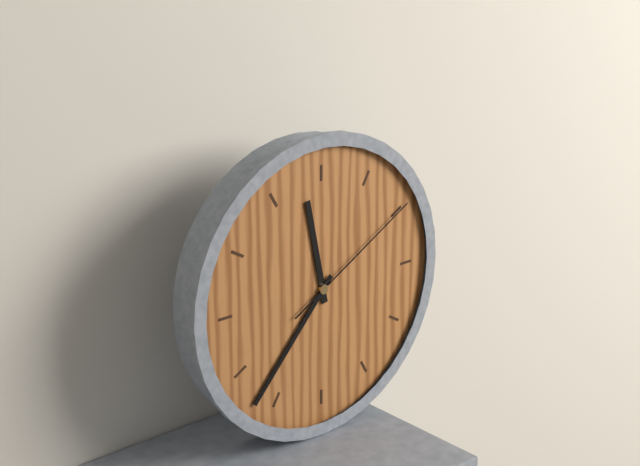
11:37:10
